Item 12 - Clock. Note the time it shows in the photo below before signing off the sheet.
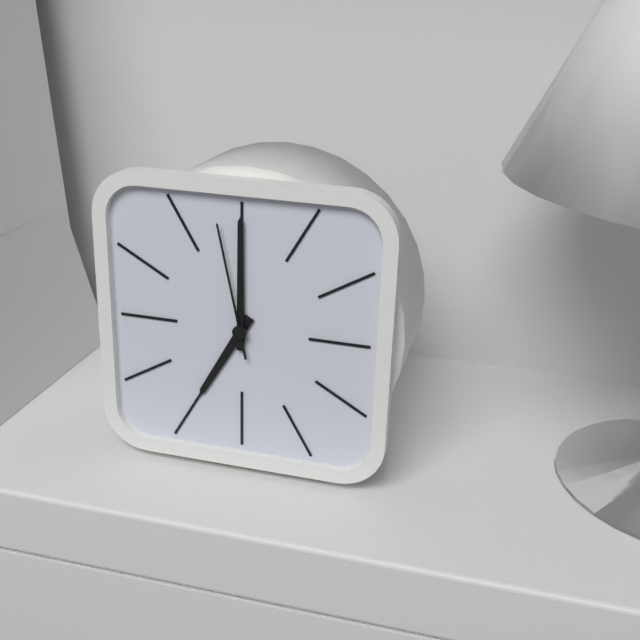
7:00:58
